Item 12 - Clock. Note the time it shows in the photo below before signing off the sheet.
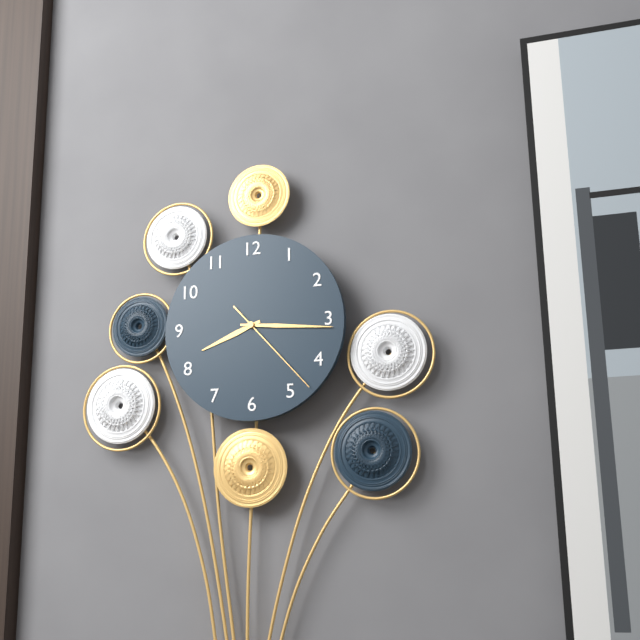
8:16:23
